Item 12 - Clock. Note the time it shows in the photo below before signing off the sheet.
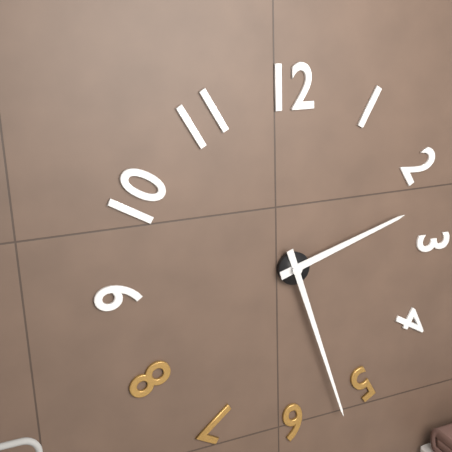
2:27
